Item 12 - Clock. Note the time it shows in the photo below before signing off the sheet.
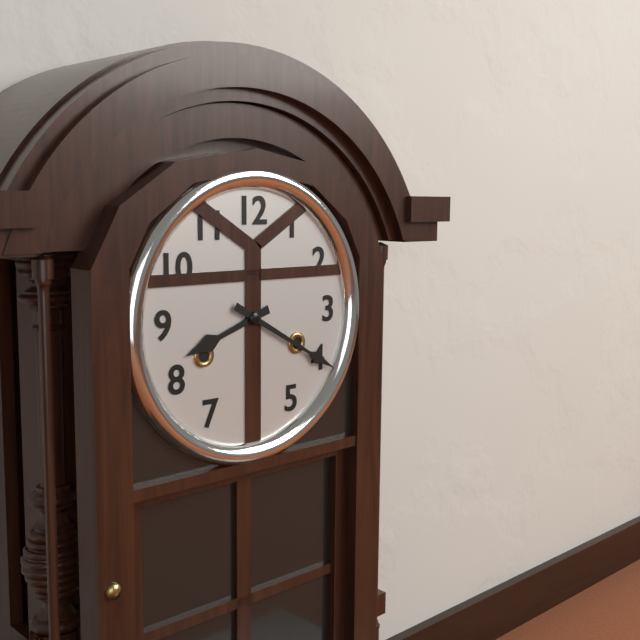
8:20
